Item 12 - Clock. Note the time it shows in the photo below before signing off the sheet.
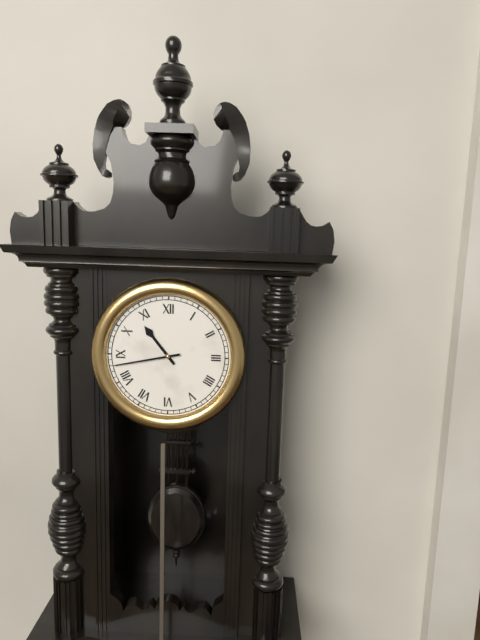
10:43
